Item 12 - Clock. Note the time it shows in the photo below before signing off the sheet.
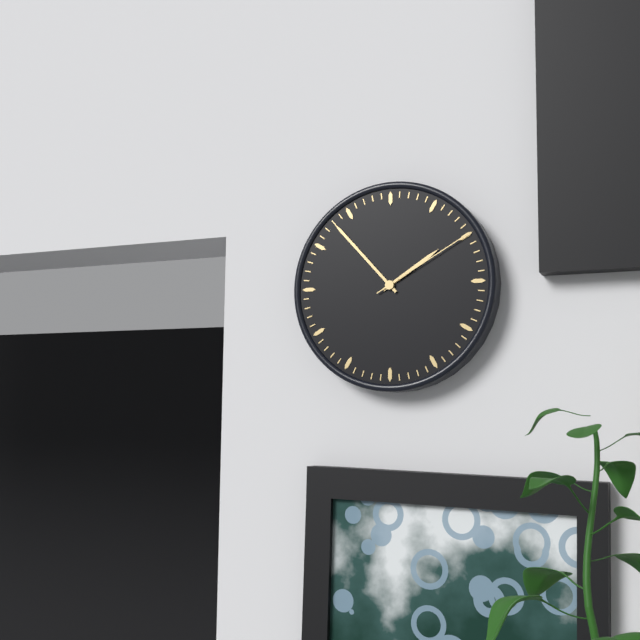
1:53:10
